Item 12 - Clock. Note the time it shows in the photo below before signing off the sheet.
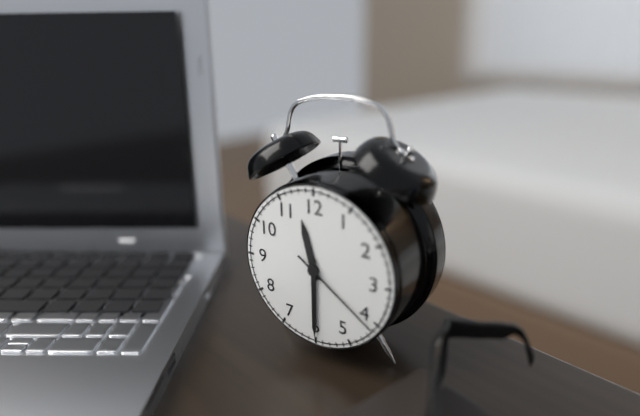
11:30:21
